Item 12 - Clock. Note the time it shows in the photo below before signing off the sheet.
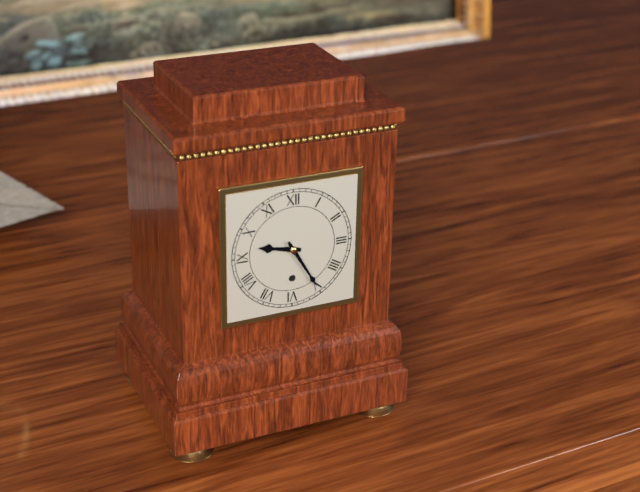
9:25
